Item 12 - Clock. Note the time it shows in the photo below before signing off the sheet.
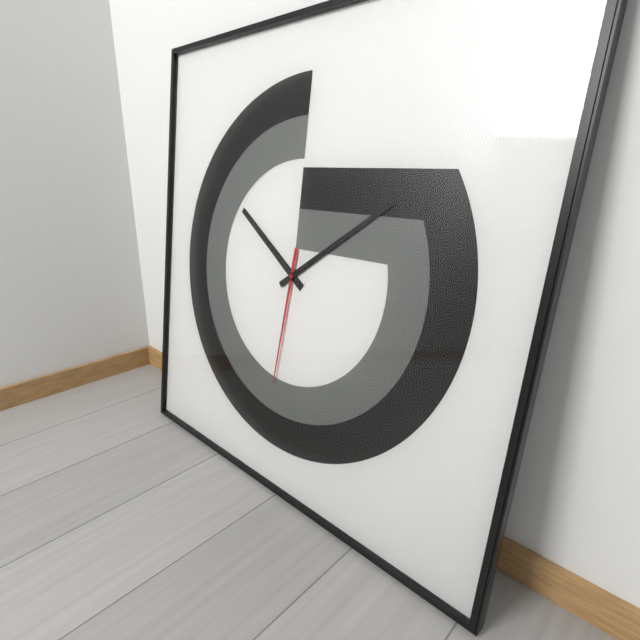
10:09:31
